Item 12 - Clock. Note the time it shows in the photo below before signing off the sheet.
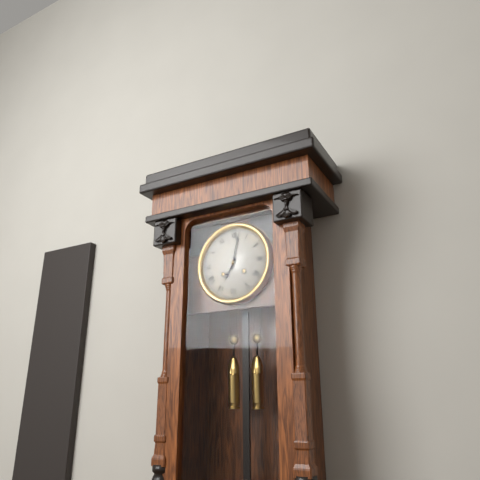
7:02
